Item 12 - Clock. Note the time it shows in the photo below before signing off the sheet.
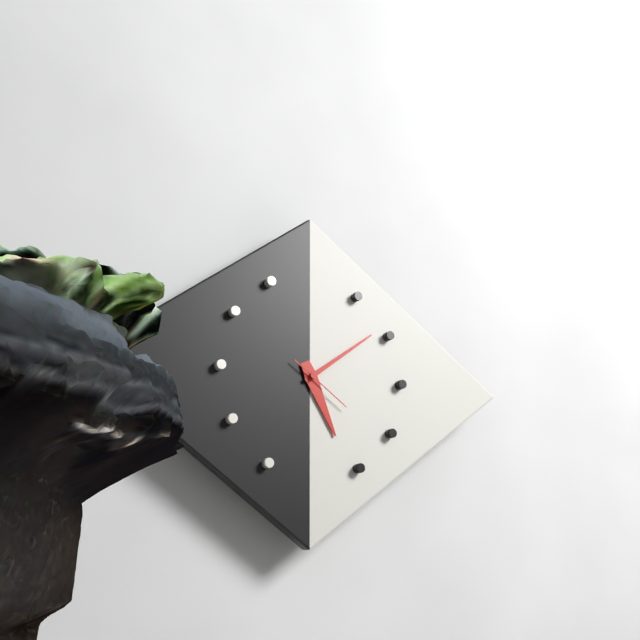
5:09:21
